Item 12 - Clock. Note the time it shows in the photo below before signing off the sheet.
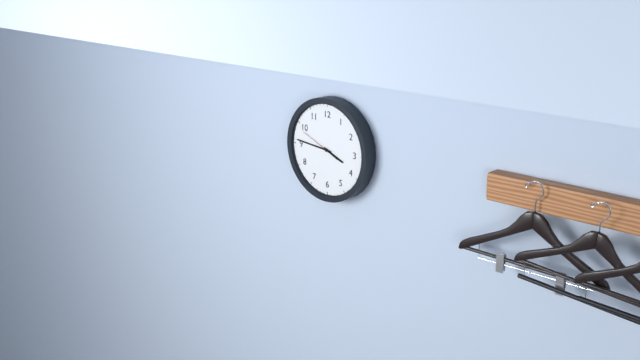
3:46
